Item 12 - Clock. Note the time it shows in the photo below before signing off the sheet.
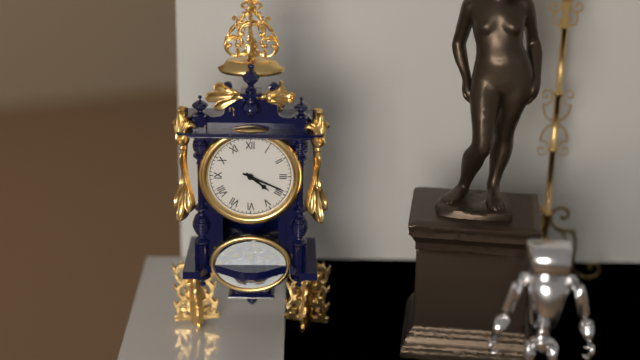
4:19
